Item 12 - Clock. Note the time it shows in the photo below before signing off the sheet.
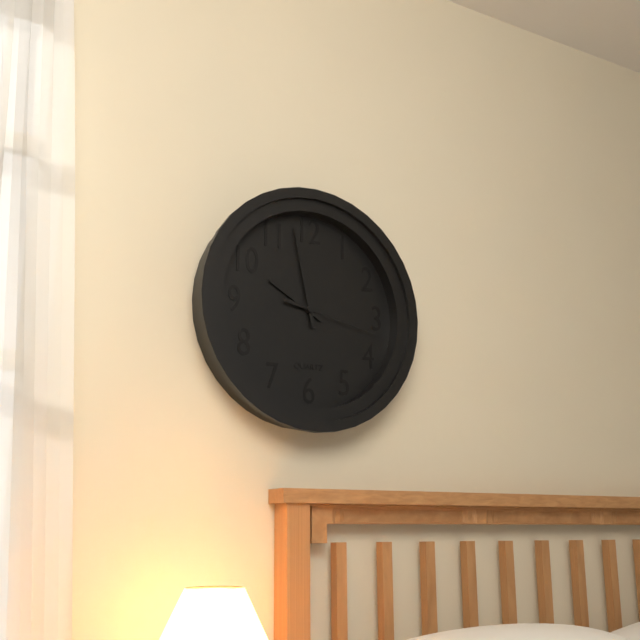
9:58:17
